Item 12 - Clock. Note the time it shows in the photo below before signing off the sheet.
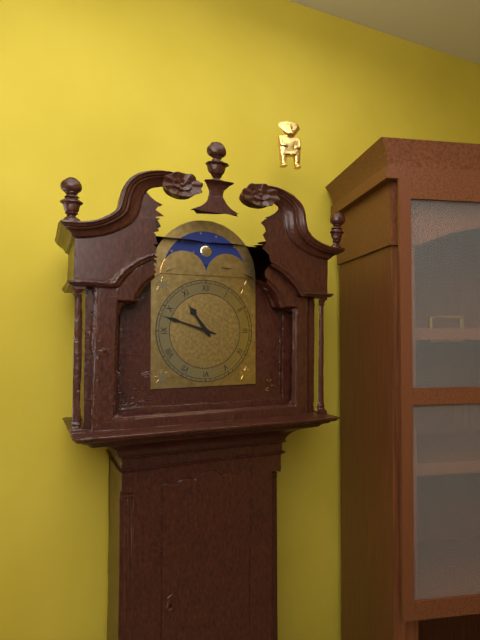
10:48
